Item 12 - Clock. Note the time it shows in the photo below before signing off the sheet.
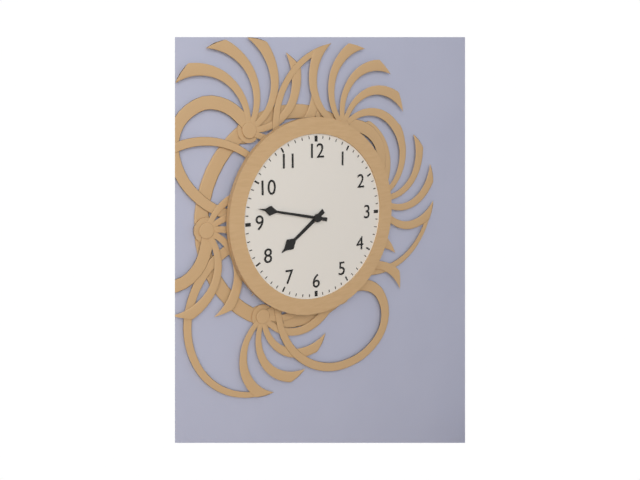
7:47
